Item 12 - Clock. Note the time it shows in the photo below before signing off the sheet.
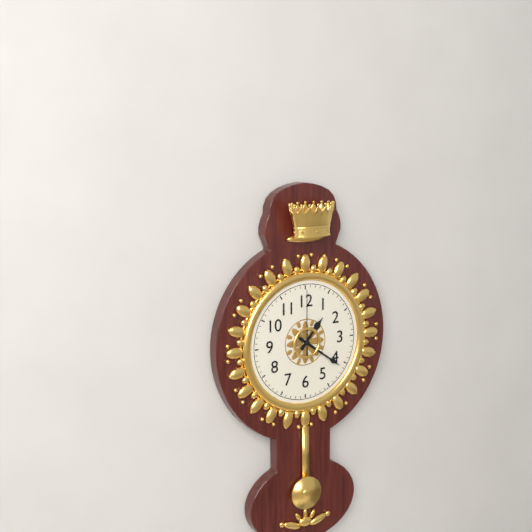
1:21:00
